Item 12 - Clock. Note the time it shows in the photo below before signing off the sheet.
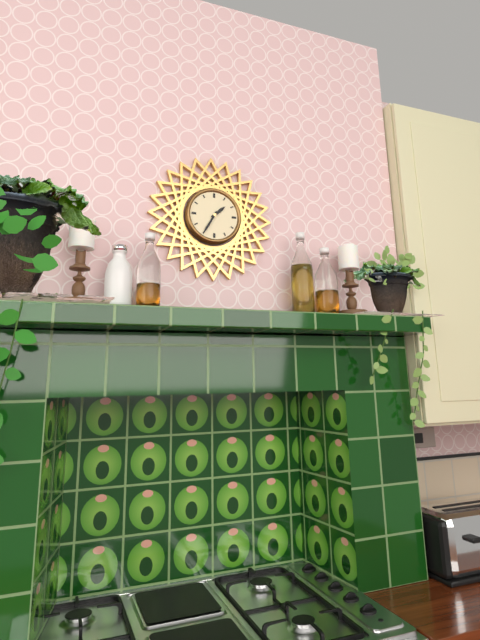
1:35
